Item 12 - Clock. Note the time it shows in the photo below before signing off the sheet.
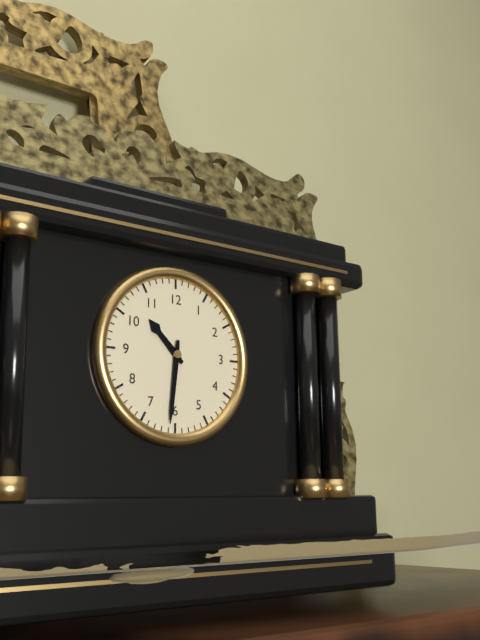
10:31
